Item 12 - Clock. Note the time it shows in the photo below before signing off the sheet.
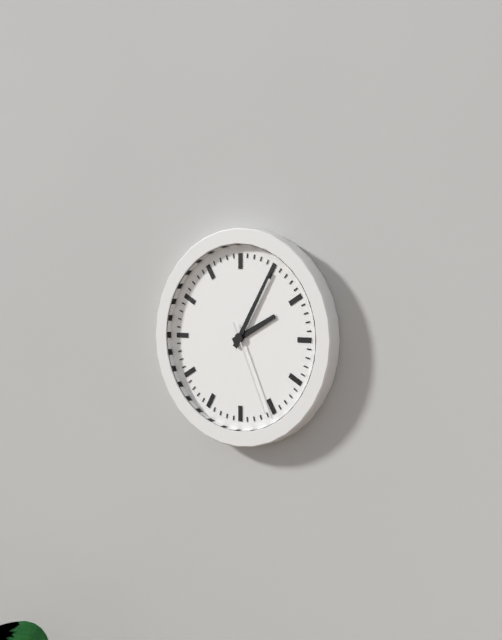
2:05:26
